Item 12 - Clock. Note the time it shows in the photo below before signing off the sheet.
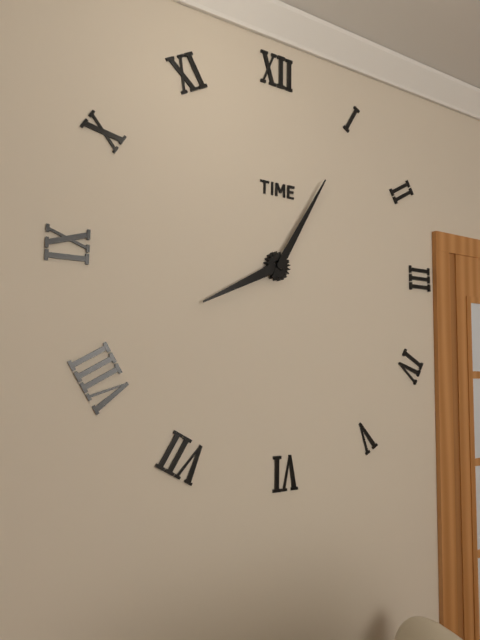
8:05
